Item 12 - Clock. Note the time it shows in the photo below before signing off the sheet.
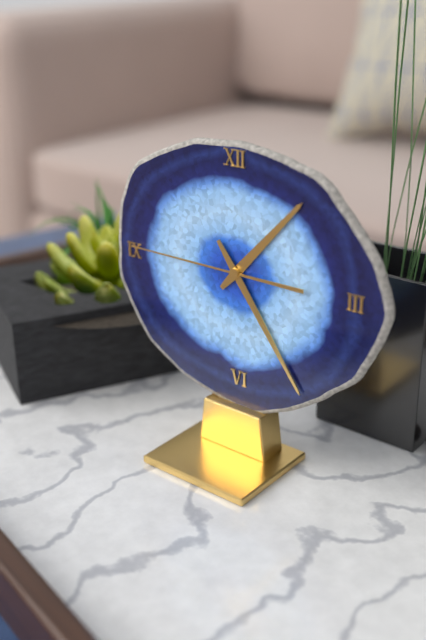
1:24:45
